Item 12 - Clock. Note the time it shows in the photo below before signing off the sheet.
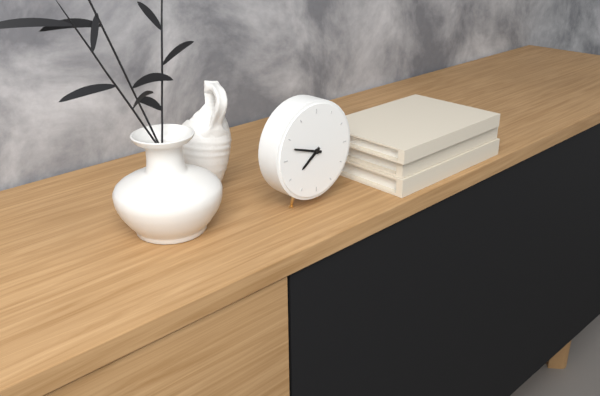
7:48
